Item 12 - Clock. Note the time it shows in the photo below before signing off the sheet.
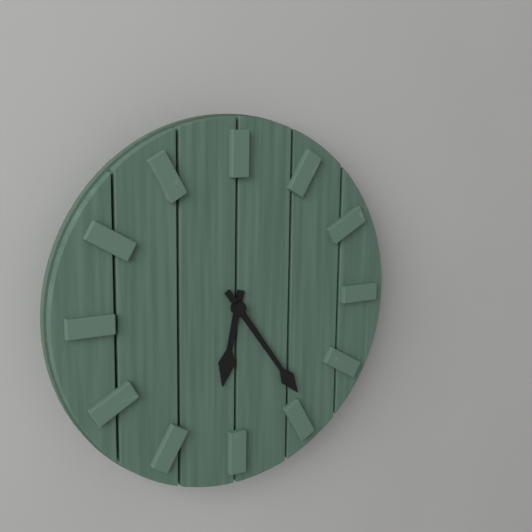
6:24
